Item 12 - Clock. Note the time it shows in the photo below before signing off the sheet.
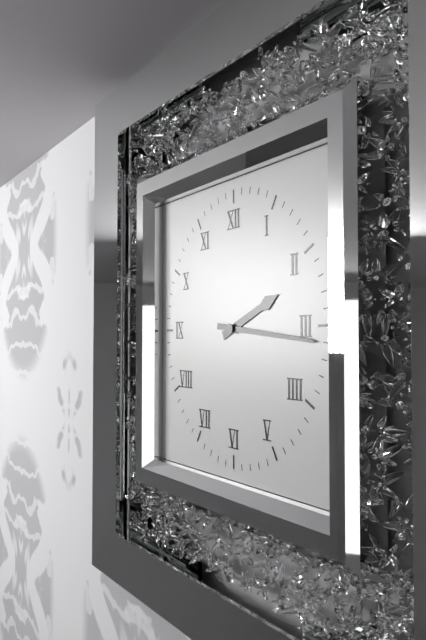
2:16
